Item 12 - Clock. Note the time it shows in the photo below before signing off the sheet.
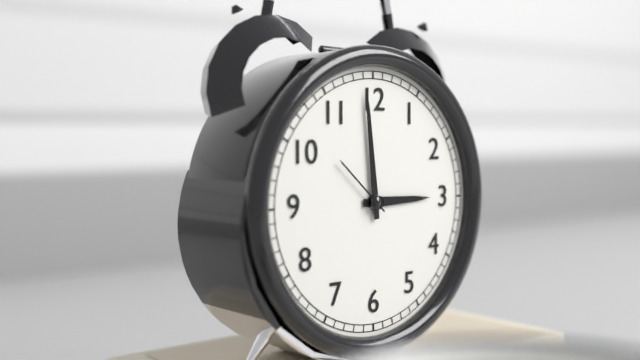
2:59:52
